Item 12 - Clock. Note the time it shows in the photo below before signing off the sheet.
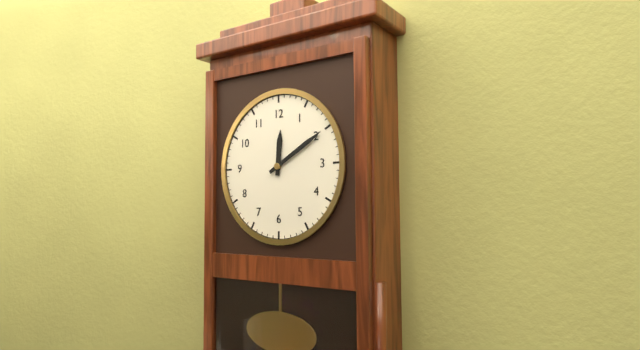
12:10
